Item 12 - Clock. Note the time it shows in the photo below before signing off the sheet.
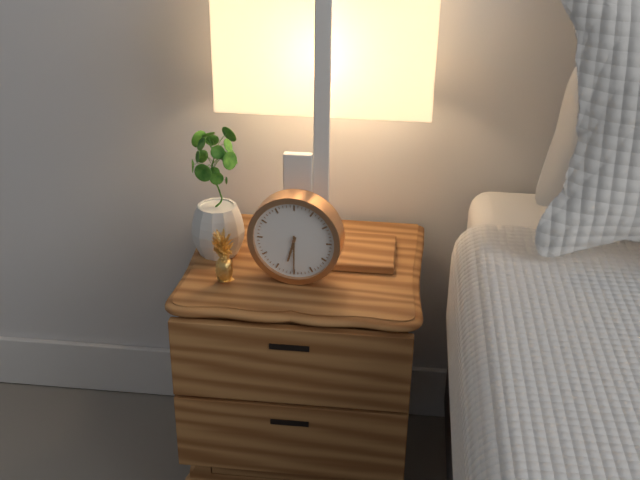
6:30
